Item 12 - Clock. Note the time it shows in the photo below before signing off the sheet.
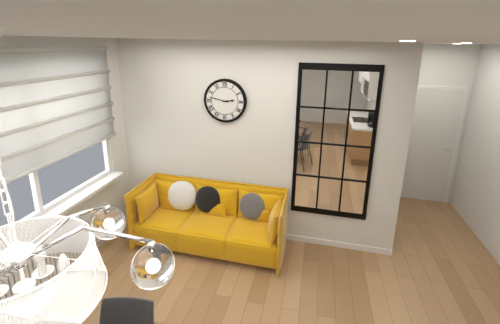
2:47
